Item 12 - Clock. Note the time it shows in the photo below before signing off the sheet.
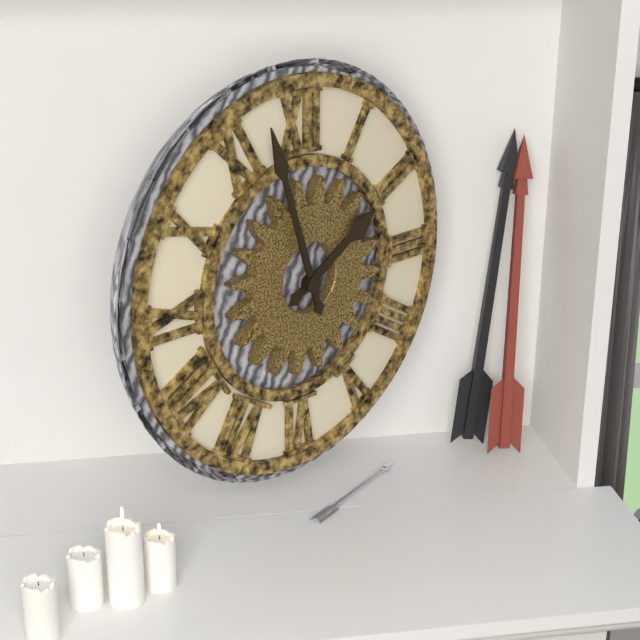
1:57
